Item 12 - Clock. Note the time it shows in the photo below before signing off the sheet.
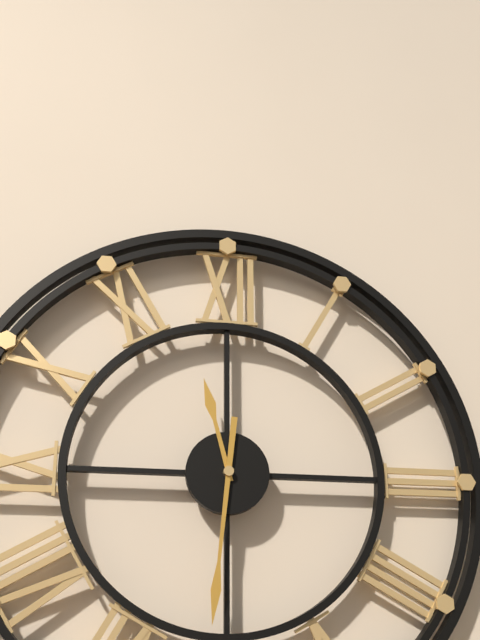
11:31
